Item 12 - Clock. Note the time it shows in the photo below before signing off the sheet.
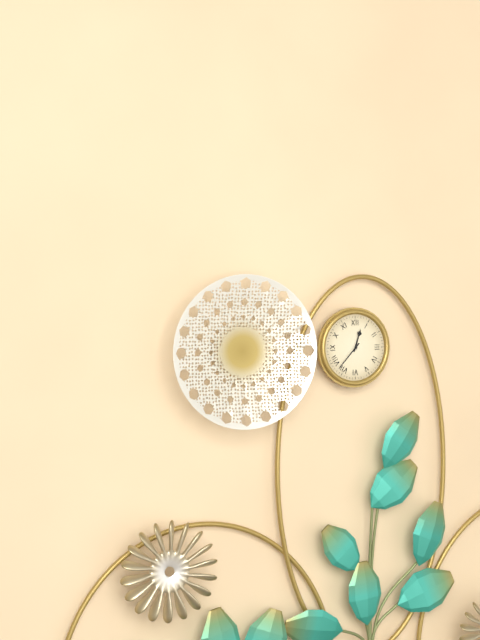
12:37
